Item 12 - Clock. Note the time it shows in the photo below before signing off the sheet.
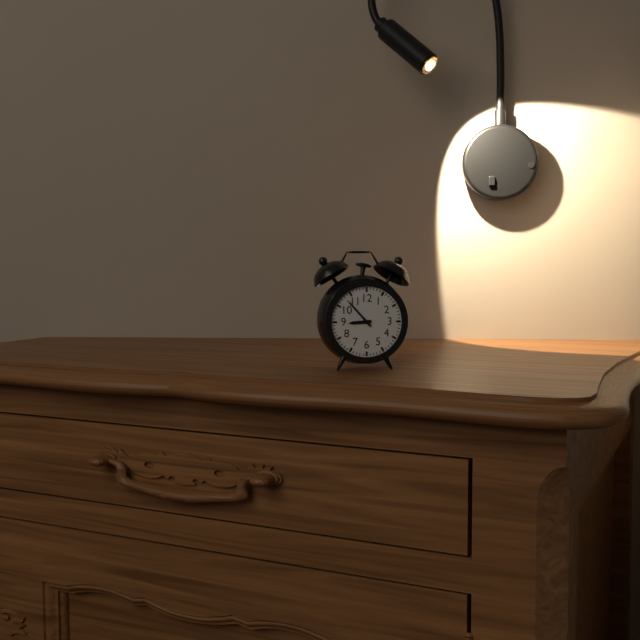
8:53
